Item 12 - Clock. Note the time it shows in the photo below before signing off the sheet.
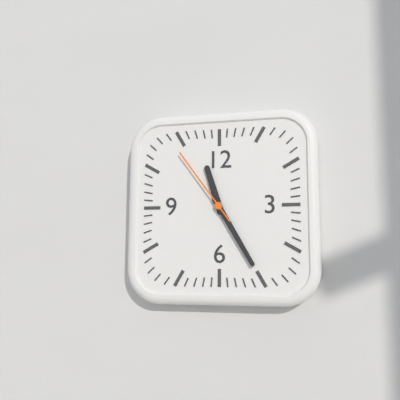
11:25:54
